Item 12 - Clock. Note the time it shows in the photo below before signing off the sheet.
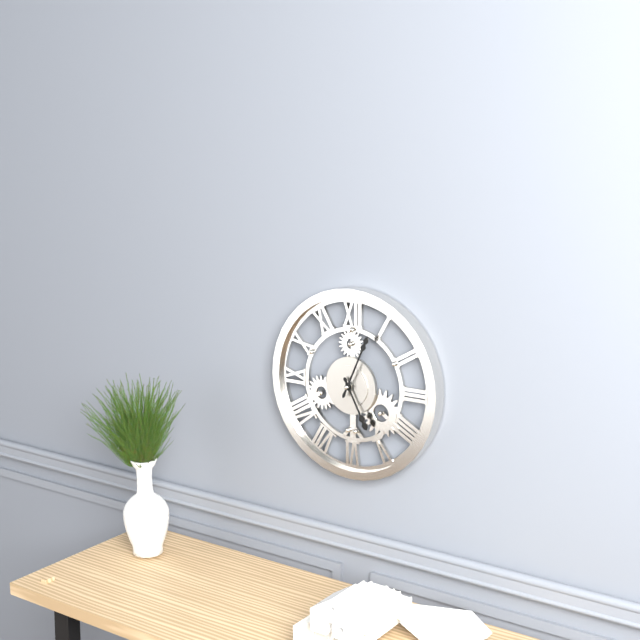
5:04
